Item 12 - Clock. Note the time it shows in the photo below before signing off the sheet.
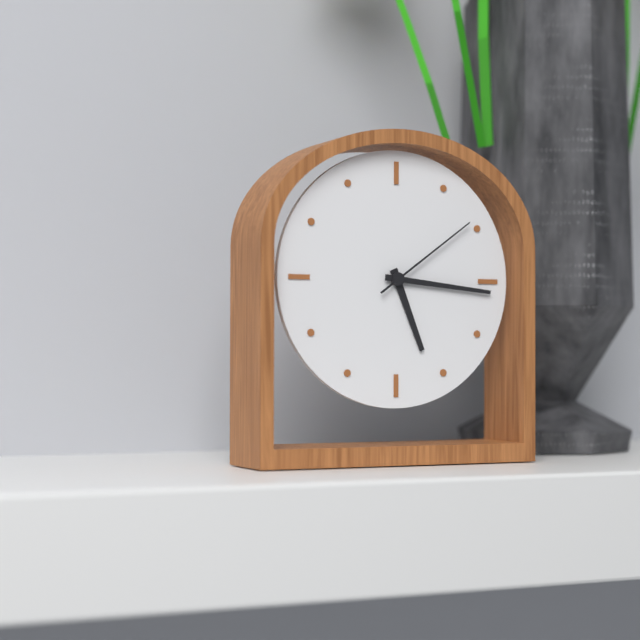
5:16:09
